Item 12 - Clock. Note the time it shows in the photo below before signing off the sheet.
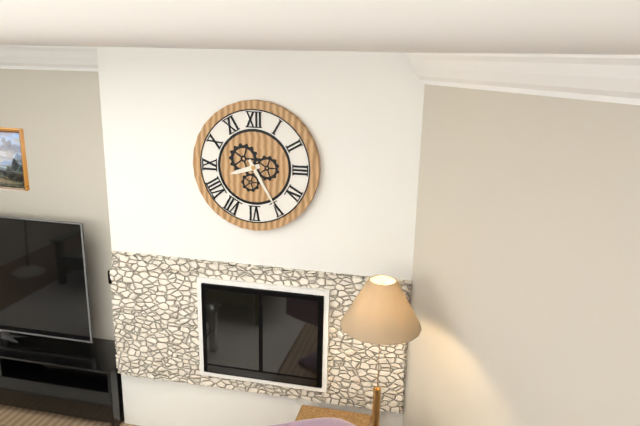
8:25
